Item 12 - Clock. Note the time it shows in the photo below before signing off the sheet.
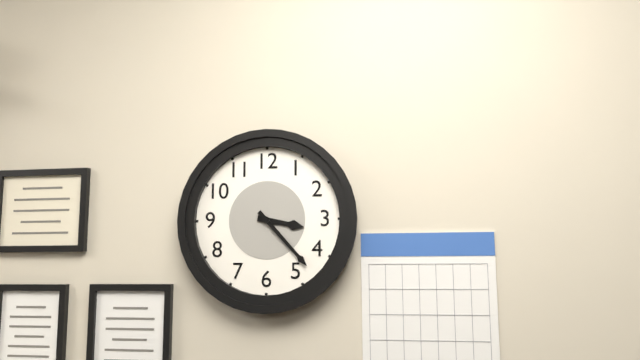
3:23
